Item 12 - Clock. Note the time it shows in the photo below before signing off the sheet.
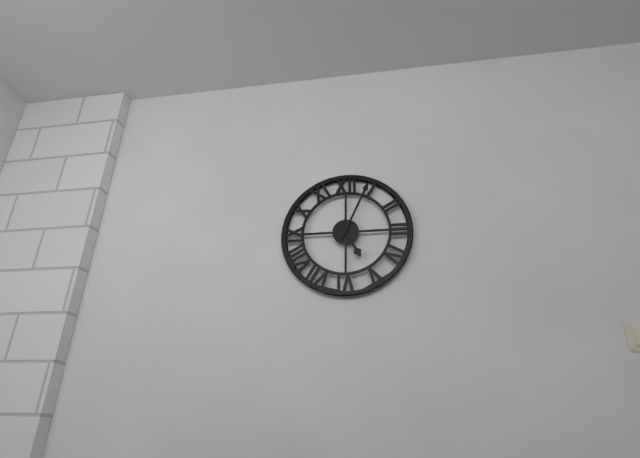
5:04
